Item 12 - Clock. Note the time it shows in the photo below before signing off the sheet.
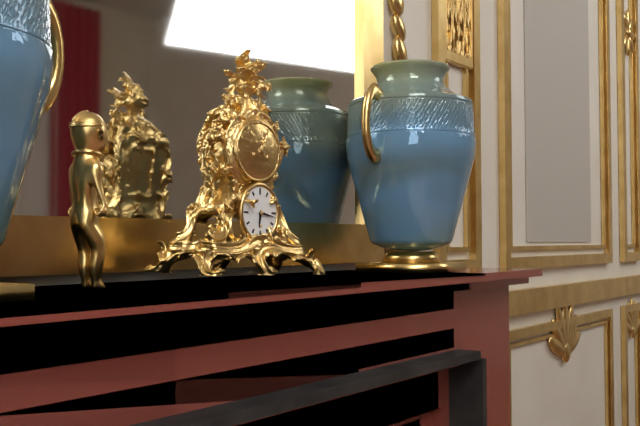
6:17
